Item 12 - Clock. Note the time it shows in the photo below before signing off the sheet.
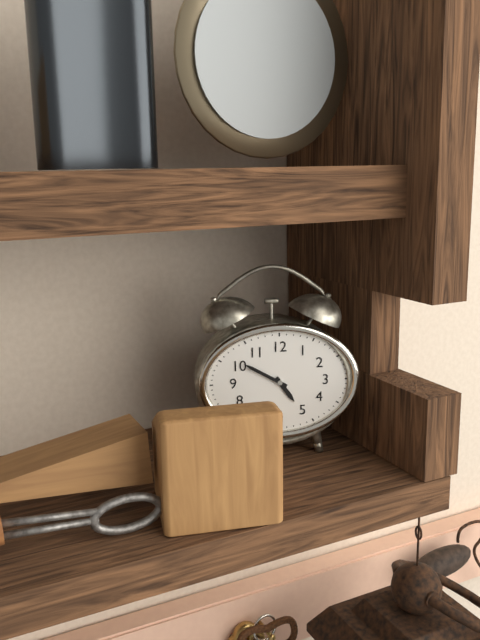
4:50
